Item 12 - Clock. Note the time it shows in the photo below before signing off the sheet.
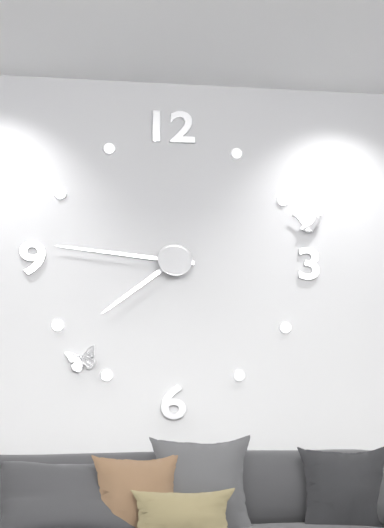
7:46
